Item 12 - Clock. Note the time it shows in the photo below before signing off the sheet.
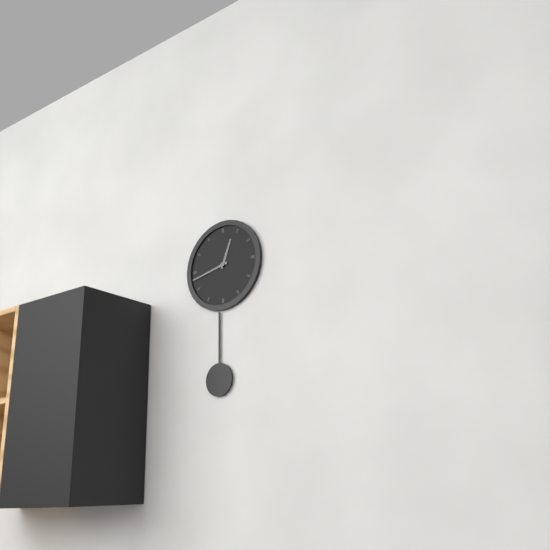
12:43
